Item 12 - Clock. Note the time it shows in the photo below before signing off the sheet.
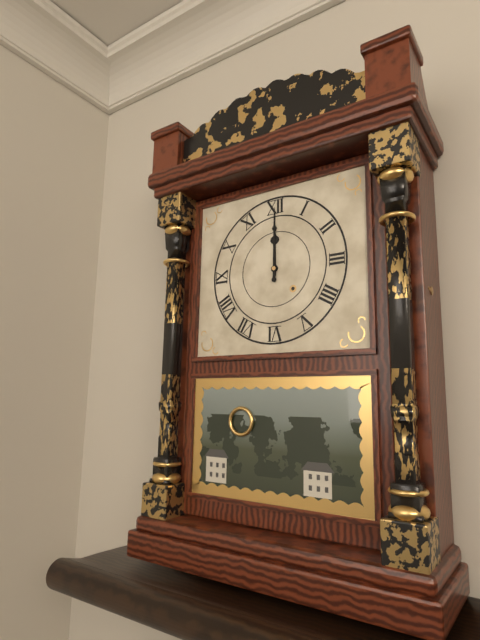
12:00
